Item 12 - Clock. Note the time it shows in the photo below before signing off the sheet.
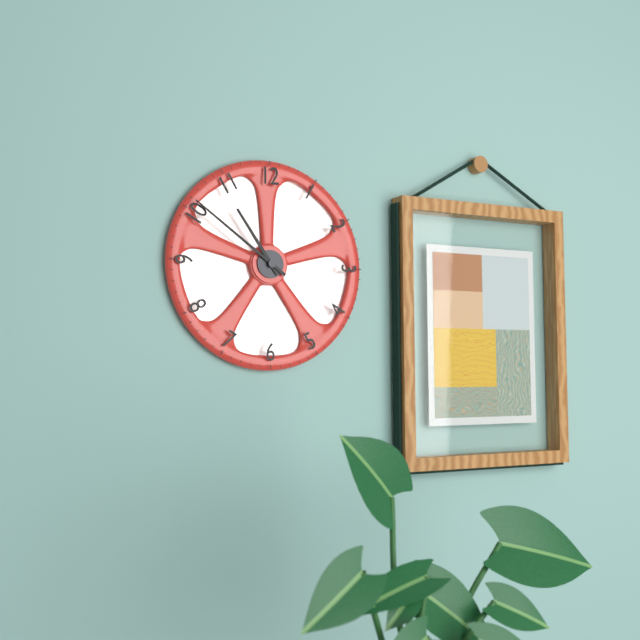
10:51
